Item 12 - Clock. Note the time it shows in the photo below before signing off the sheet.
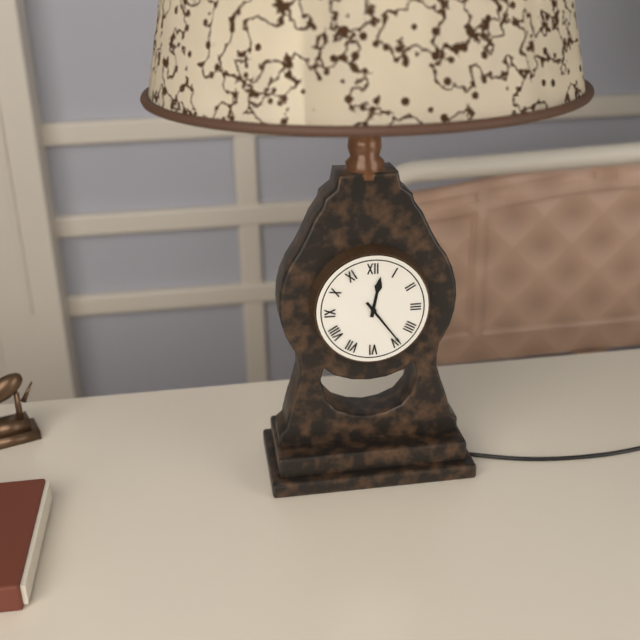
12:24
